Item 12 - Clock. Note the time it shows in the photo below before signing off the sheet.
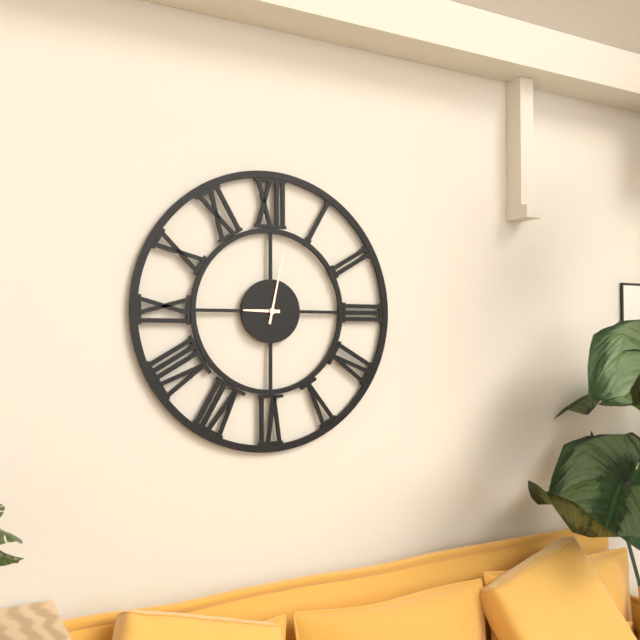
9:02
